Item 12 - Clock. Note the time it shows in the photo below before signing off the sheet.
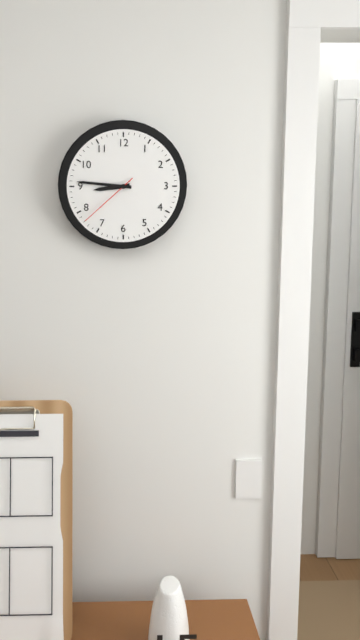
8:46:38
